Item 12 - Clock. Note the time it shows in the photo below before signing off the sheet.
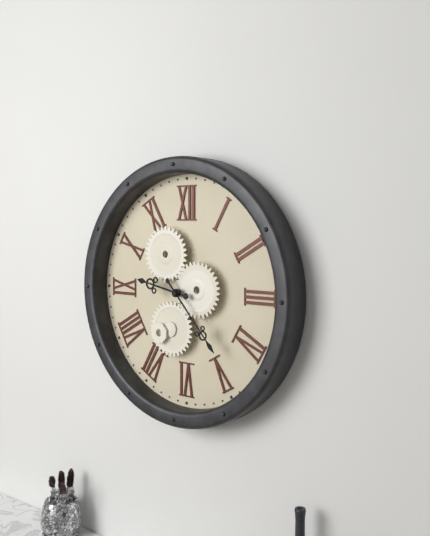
9:23
